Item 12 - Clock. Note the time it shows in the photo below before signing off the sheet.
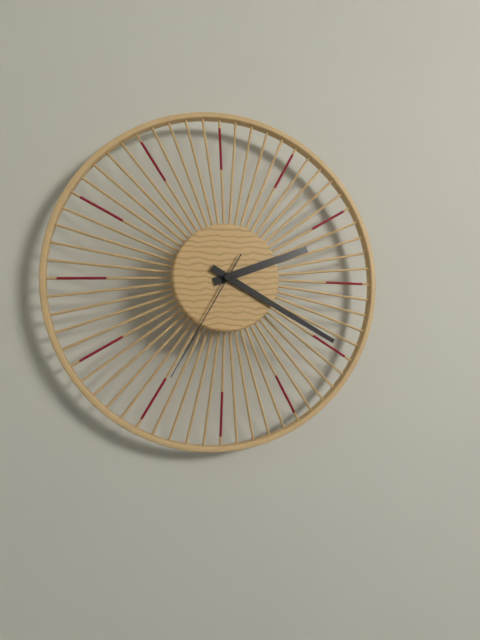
2:20:35
